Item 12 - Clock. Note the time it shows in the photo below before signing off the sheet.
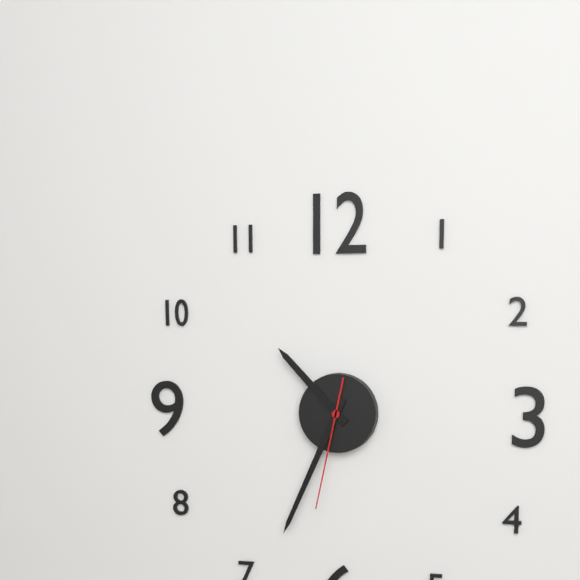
10:34:32
